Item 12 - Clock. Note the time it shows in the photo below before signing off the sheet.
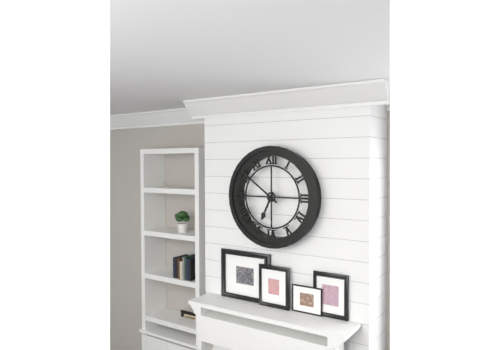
6:51
